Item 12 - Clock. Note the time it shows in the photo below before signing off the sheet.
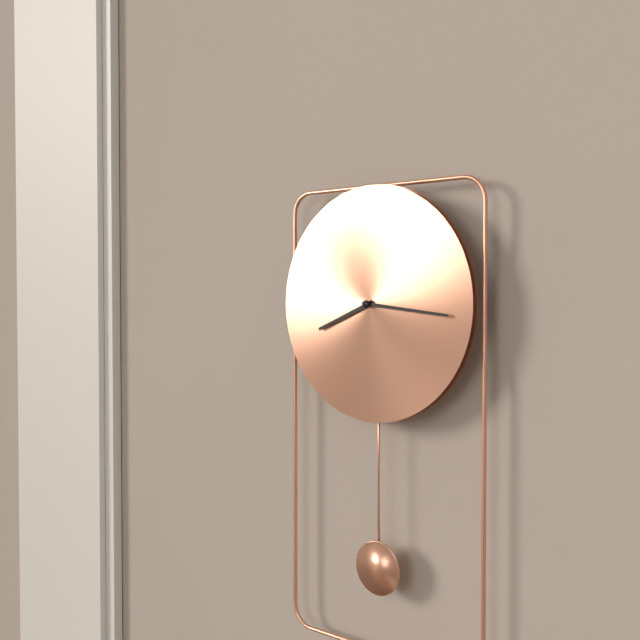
8:16
